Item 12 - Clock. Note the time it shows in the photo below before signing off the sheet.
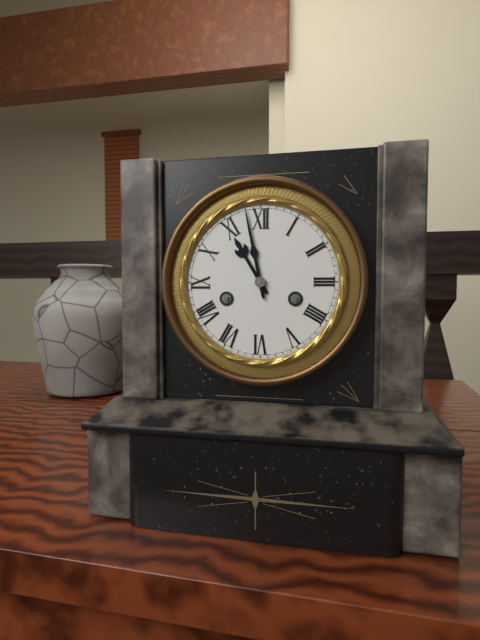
10:58
